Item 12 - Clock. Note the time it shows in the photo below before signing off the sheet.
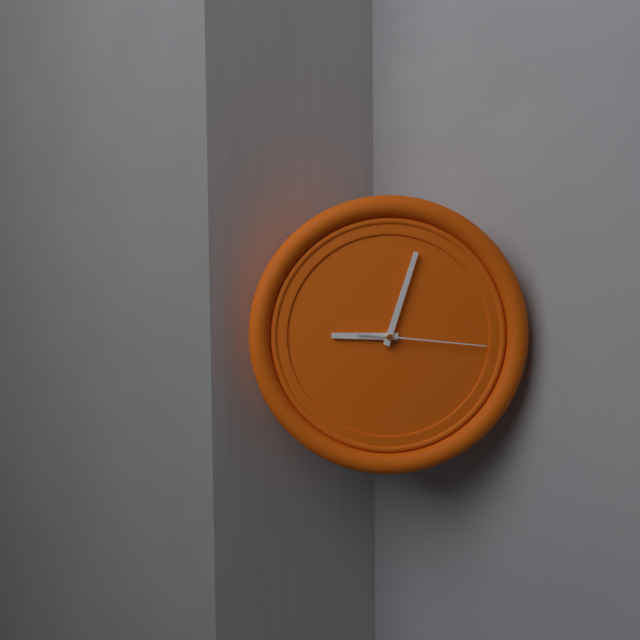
9:03:16
